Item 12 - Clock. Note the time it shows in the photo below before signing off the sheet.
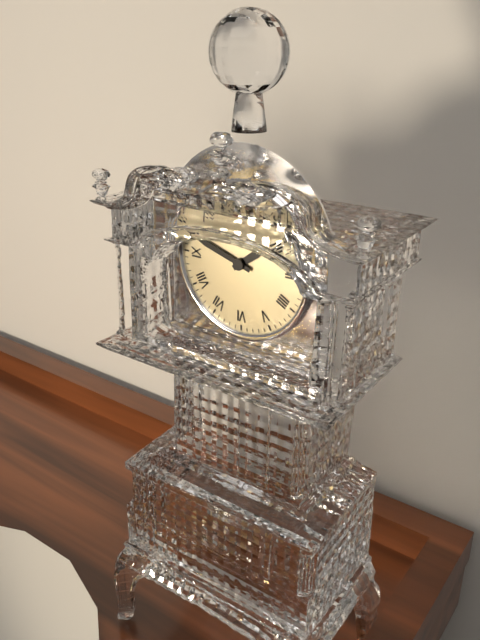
1:48
